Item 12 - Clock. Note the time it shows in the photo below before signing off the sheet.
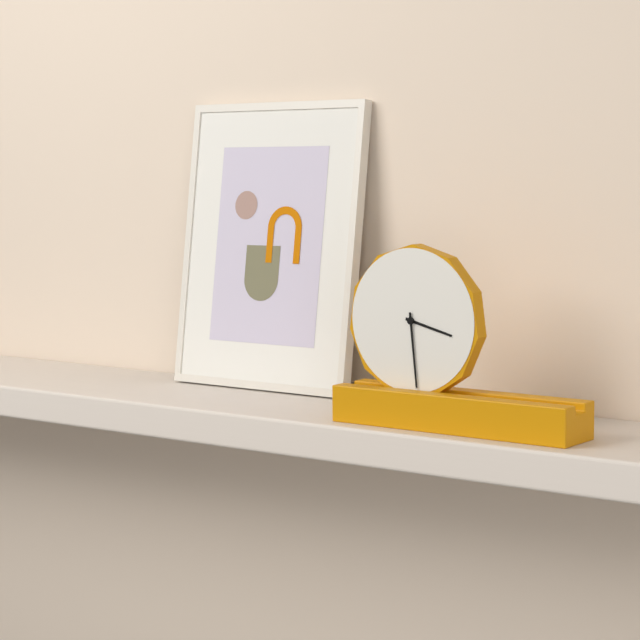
3:29
